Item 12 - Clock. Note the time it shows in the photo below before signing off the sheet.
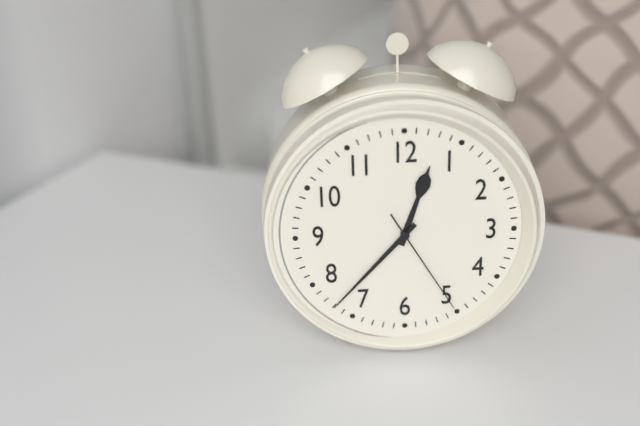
12:37:25
